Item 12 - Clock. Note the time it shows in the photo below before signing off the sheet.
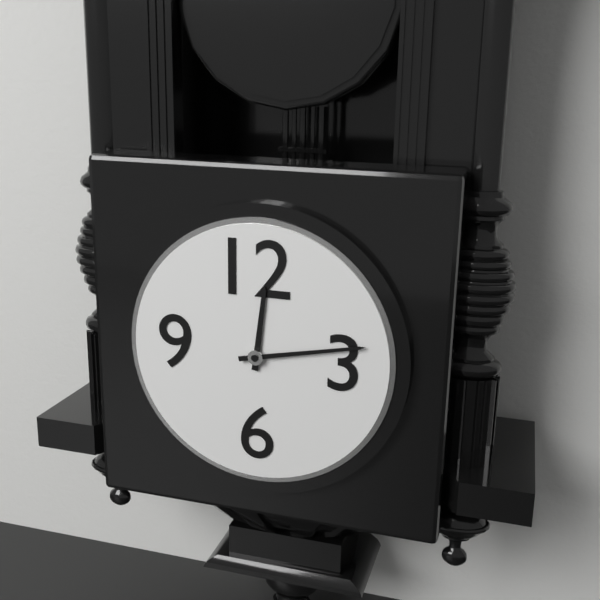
12:13
